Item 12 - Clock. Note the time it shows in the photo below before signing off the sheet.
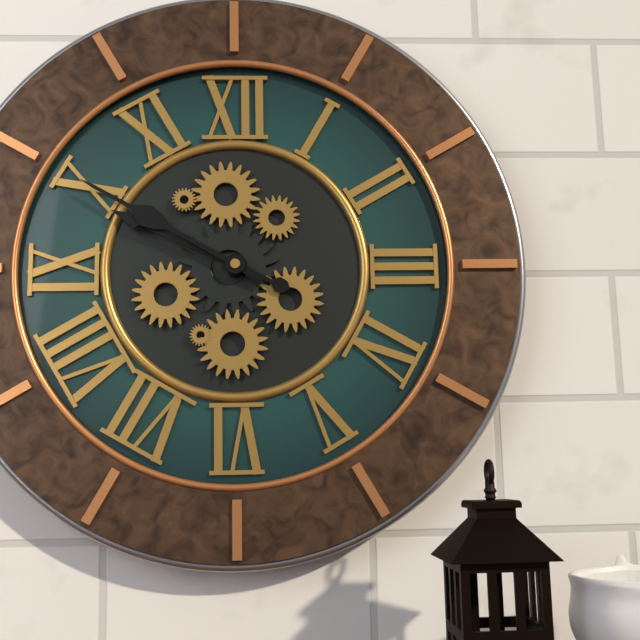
9:50
